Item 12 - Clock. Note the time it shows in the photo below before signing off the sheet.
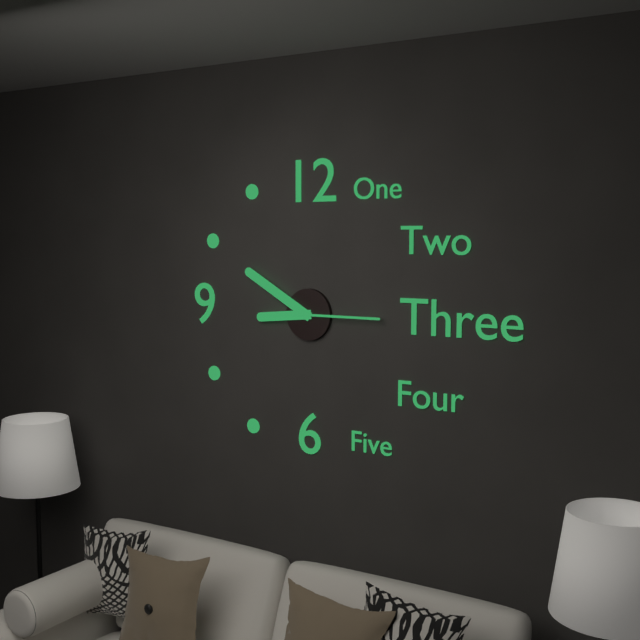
8:50:15
